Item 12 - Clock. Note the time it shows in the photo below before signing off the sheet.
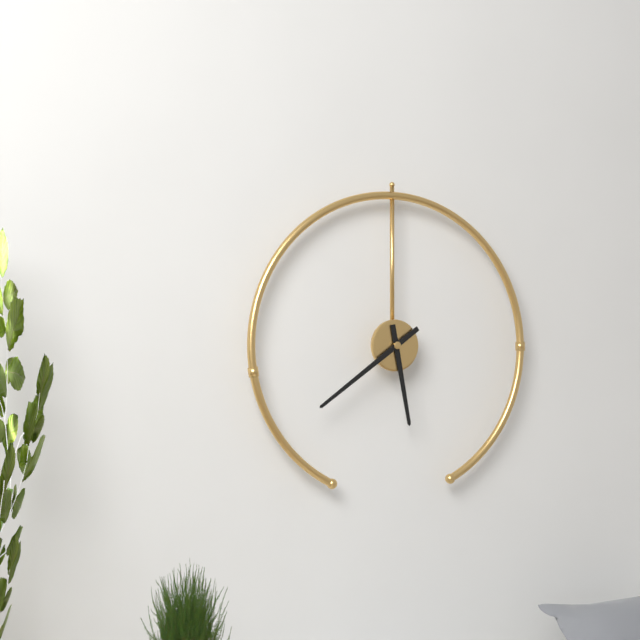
5:39
